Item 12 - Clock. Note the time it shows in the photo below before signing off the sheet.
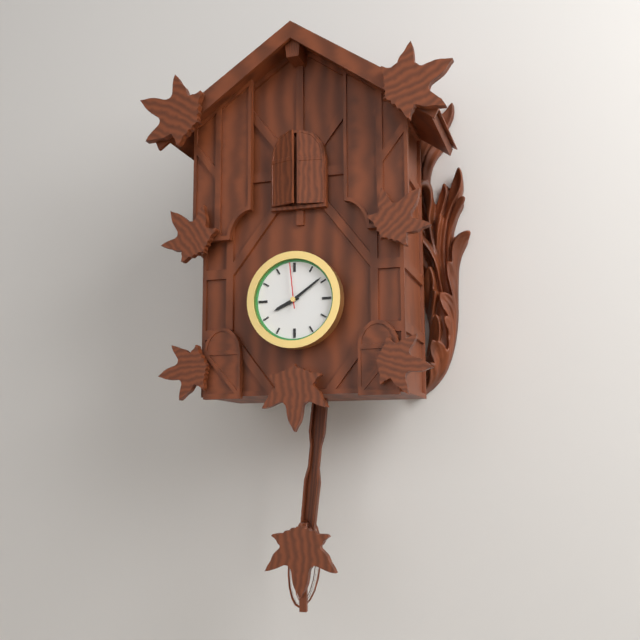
8:09
